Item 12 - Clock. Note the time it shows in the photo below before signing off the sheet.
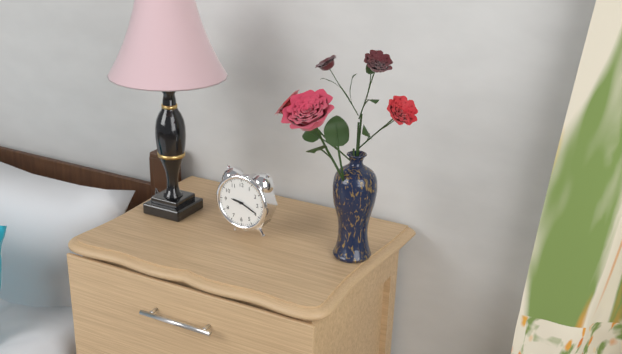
9:19
